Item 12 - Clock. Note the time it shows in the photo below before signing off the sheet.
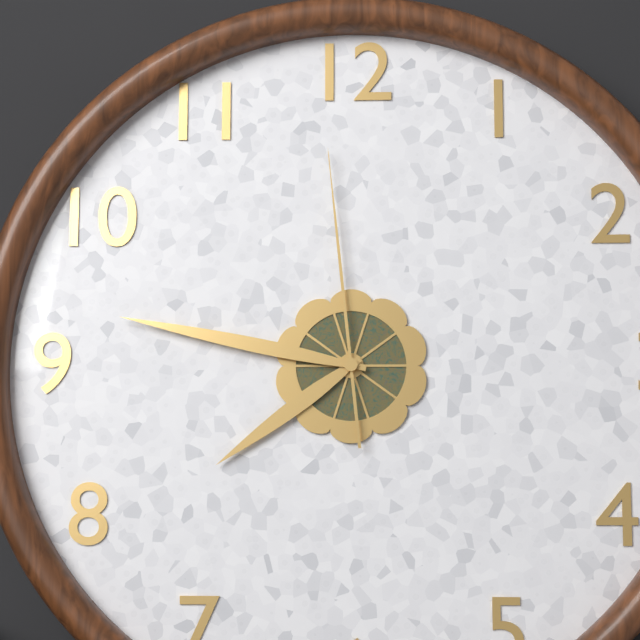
7:47:59
